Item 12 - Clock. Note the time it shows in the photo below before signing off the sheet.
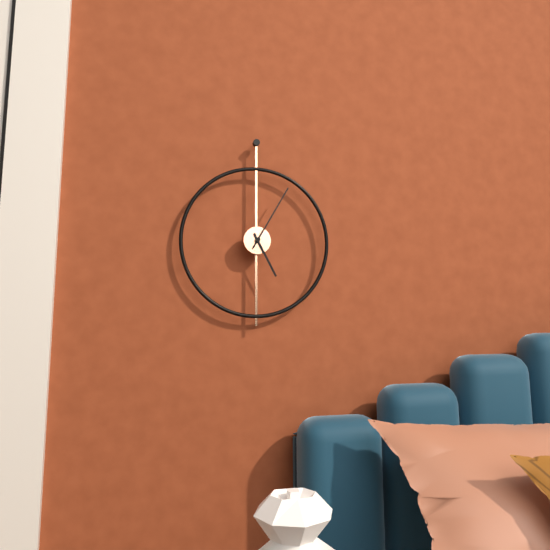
5:05
